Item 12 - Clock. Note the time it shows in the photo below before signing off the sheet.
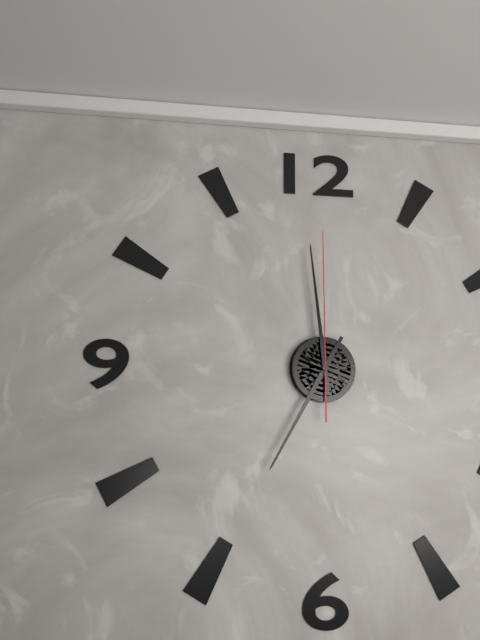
6:59:00
